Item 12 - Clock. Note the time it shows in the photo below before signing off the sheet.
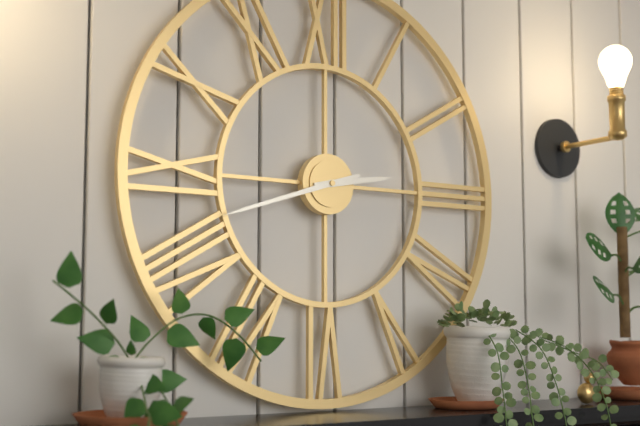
2:42
